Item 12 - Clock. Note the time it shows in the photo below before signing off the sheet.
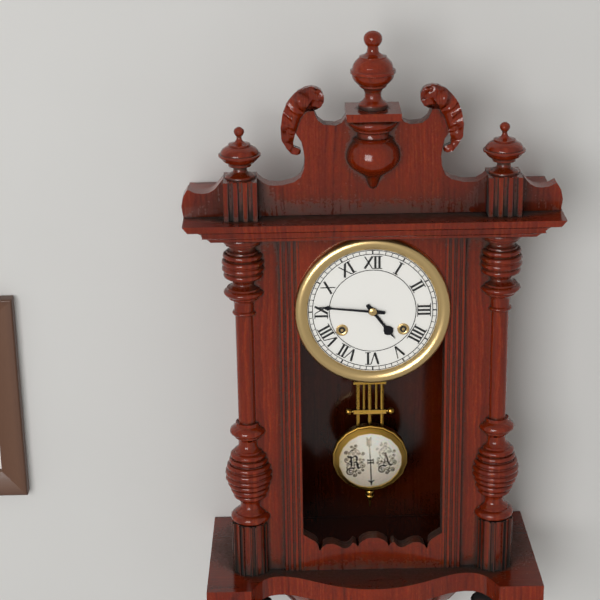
4:46
